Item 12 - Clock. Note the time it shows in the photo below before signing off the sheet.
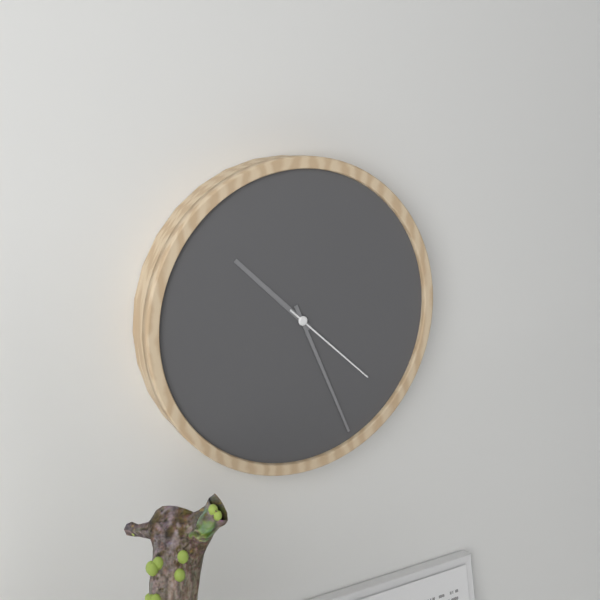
10:26:22
